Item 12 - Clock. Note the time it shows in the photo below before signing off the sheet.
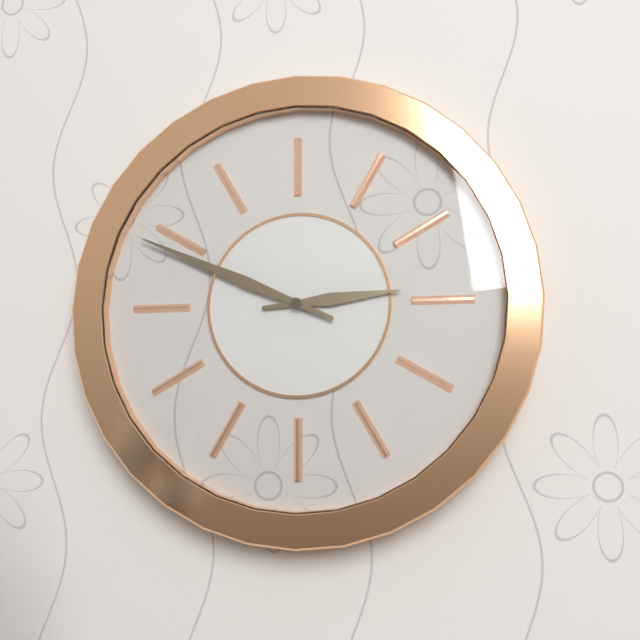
2:49
